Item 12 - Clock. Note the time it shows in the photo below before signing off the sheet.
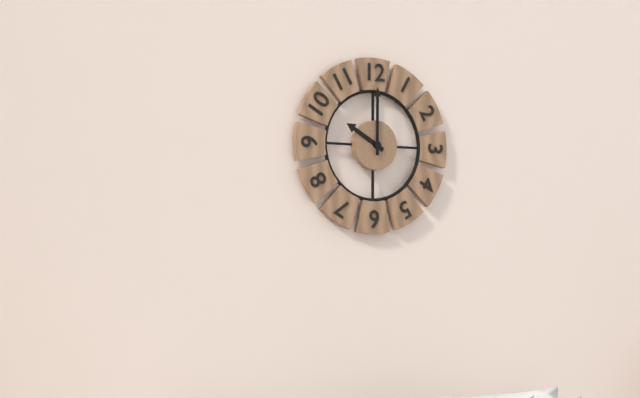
10:00
